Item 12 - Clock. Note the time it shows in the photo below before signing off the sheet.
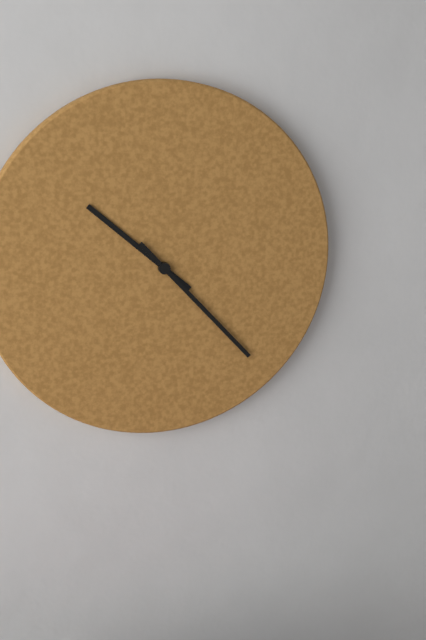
10:23
